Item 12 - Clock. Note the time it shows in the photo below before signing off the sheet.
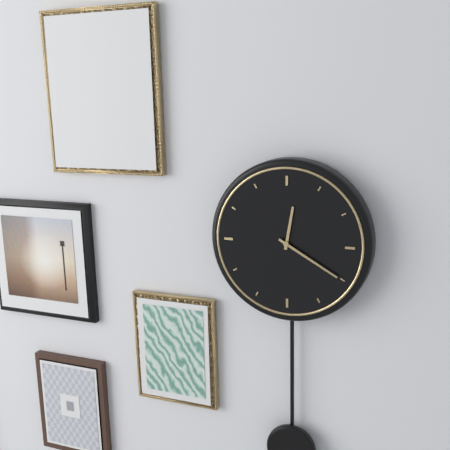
12:20
